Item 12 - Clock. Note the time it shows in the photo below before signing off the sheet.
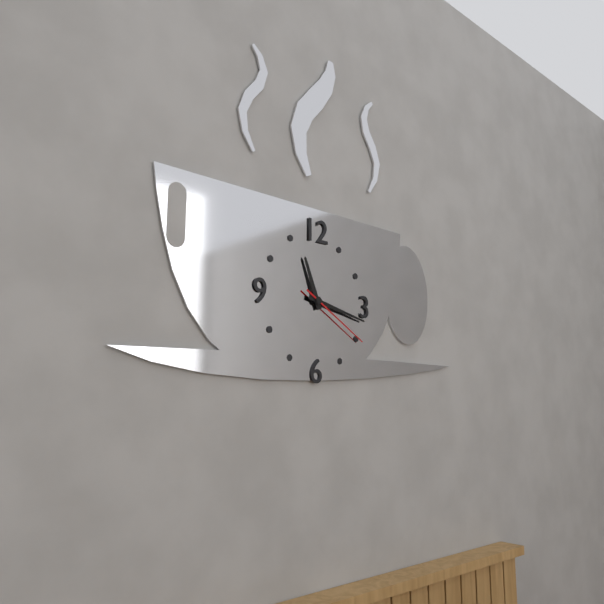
11:17:20
